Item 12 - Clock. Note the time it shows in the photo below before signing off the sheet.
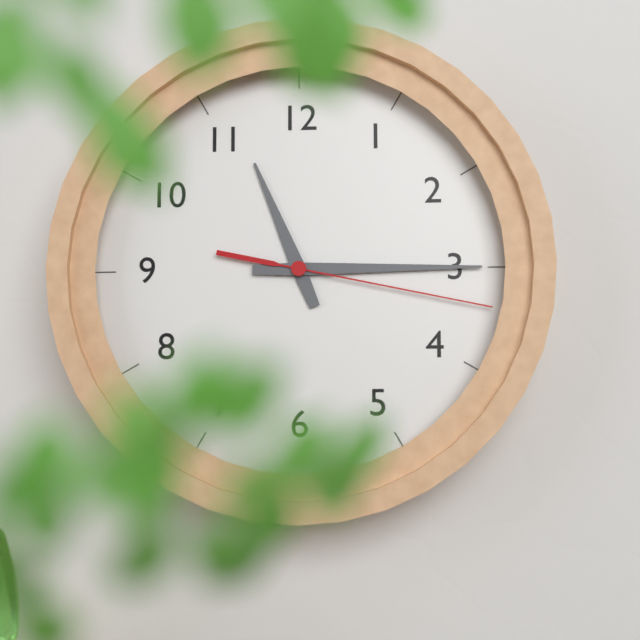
11:15:17
